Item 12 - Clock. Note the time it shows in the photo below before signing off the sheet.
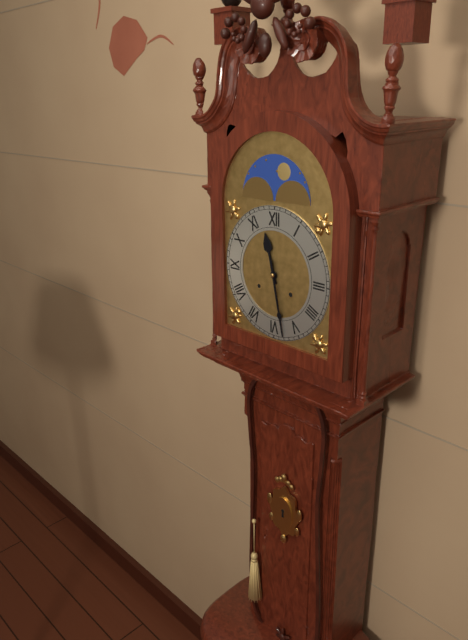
11:28
